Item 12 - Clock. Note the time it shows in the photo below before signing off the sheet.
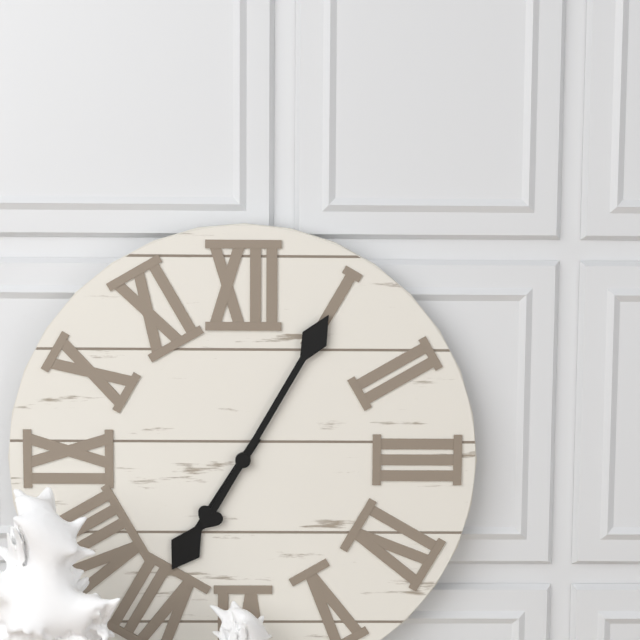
7:05
